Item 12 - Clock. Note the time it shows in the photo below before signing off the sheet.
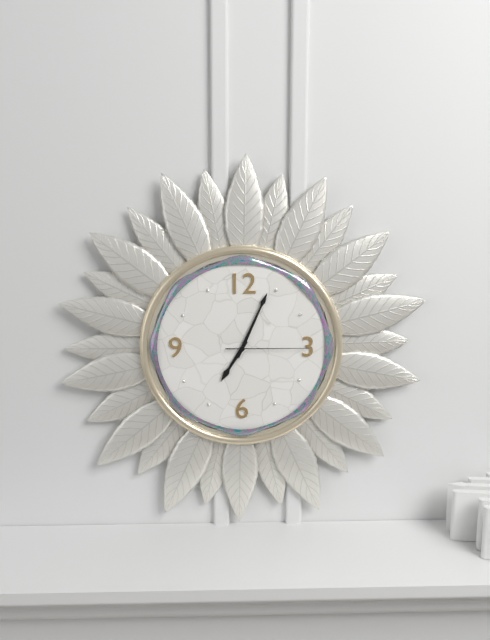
7:04:15
